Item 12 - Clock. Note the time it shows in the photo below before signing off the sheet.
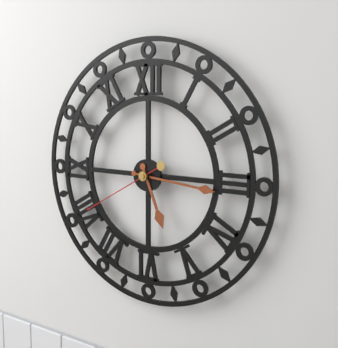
5:16:40
